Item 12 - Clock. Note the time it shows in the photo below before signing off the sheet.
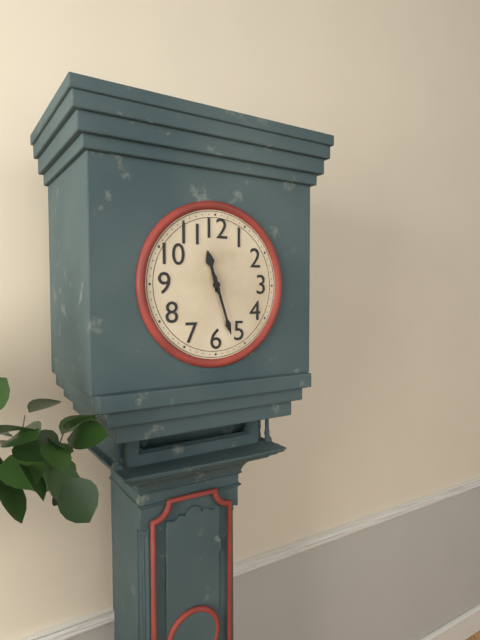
11:27
